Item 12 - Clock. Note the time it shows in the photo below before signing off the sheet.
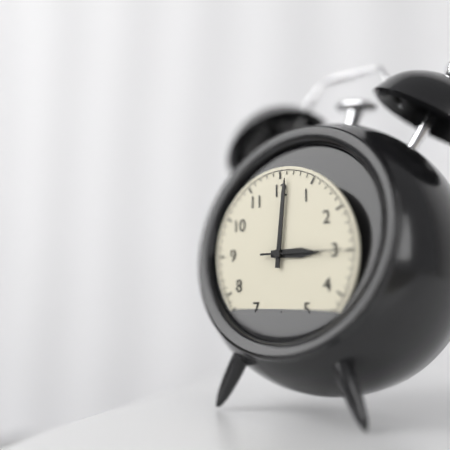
3:01:15
